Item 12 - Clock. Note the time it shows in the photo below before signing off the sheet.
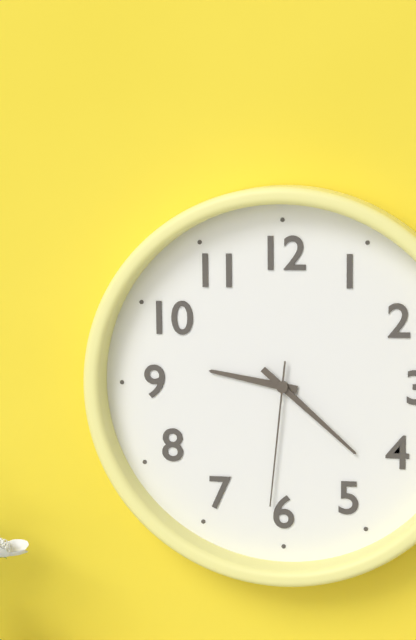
9:22:31
